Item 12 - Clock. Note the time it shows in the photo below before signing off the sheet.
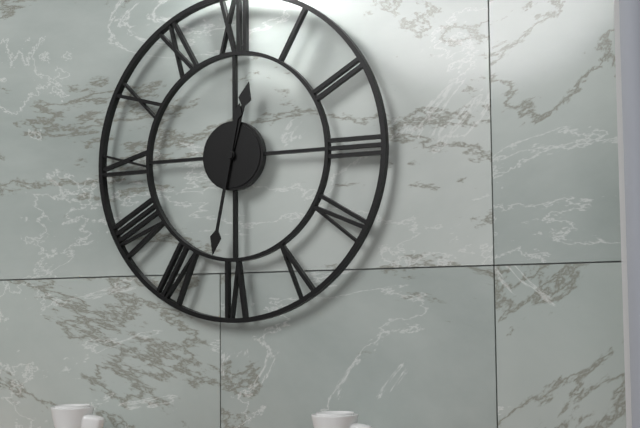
12:32
